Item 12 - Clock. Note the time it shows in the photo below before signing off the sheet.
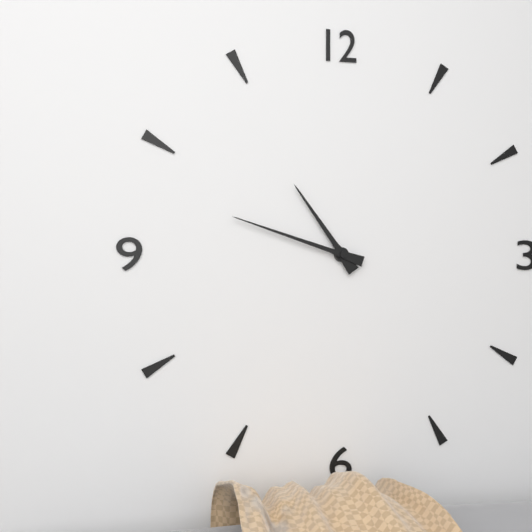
10:48
